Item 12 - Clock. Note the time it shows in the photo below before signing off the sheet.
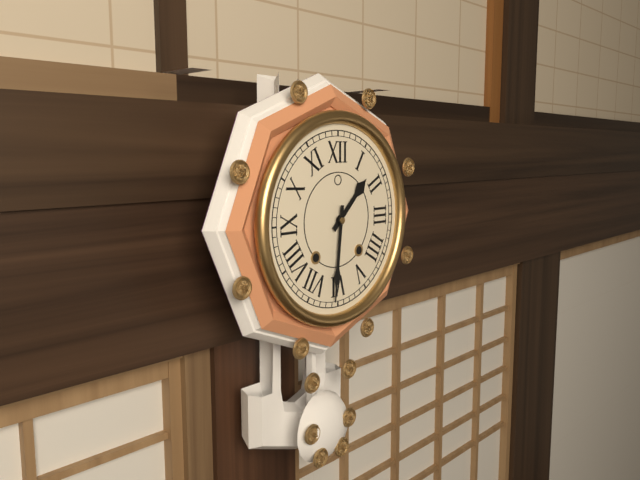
1:31
